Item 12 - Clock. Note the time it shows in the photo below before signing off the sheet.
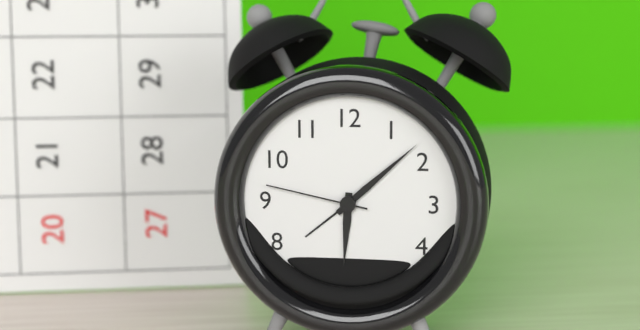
6:08:47
